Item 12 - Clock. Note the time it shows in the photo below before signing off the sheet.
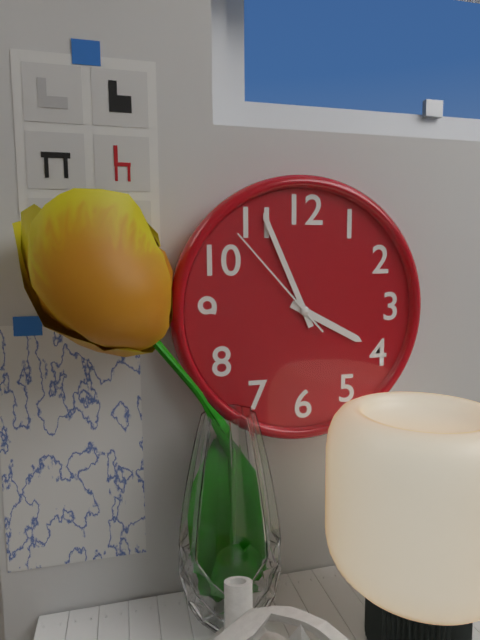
3:56:53
